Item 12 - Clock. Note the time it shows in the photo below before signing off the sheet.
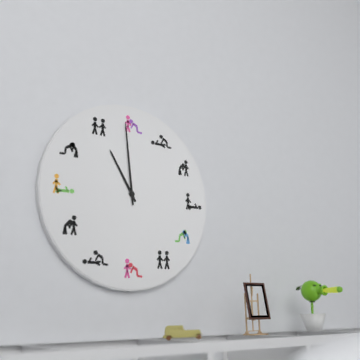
10:59
